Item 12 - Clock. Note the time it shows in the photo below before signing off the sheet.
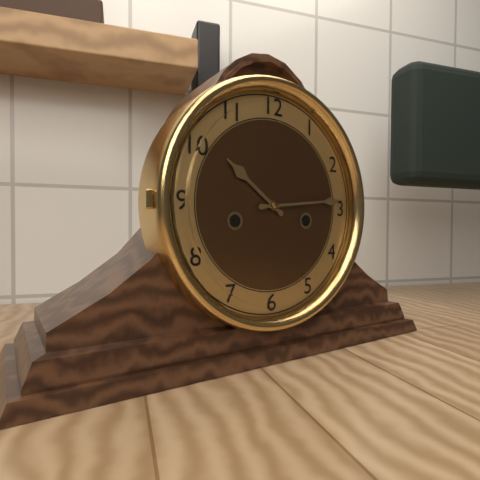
10:14
